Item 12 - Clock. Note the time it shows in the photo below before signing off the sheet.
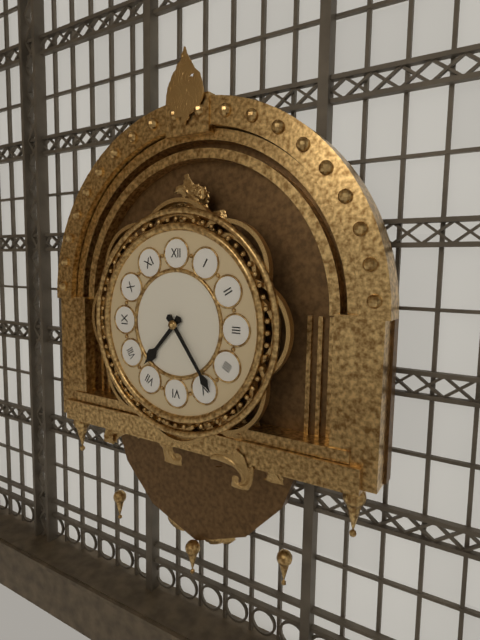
7:24
